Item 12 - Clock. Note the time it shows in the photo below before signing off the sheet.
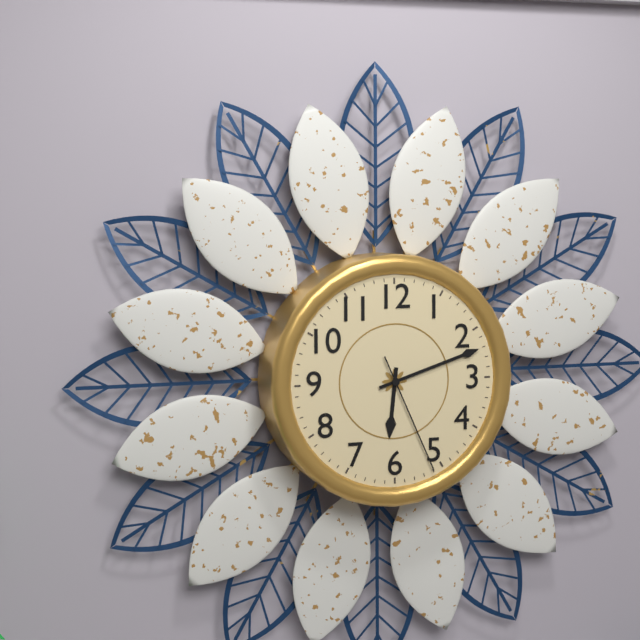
6:12:26
